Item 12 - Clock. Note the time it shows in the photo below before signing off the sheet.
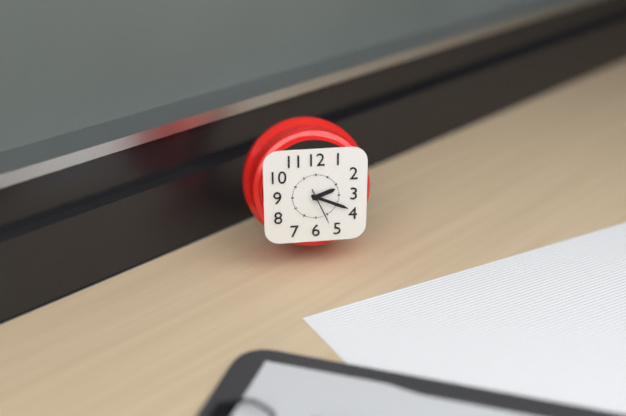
2:19
